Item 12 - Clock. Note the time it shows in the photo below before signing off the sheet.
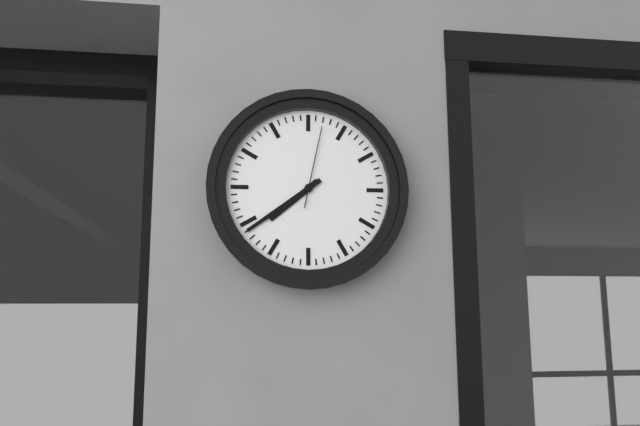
7:39:02
